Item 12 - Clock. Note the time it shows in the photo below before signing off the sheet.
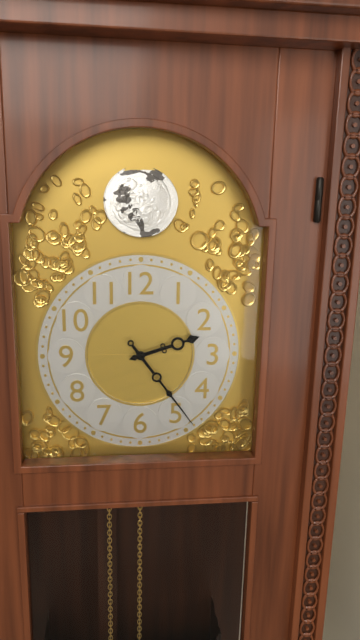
2:24
